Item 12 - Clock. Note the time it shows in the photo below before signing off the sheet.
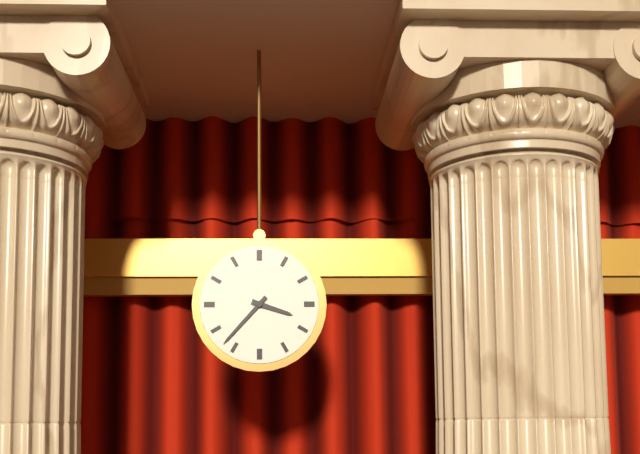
3:37
